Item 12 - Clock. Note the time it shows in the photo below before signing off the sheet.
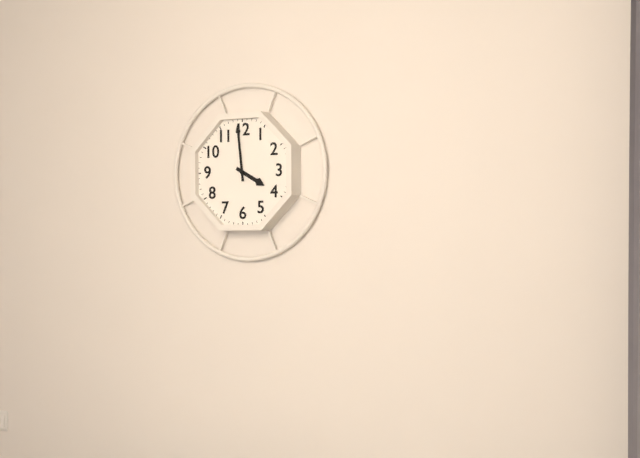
3:59
